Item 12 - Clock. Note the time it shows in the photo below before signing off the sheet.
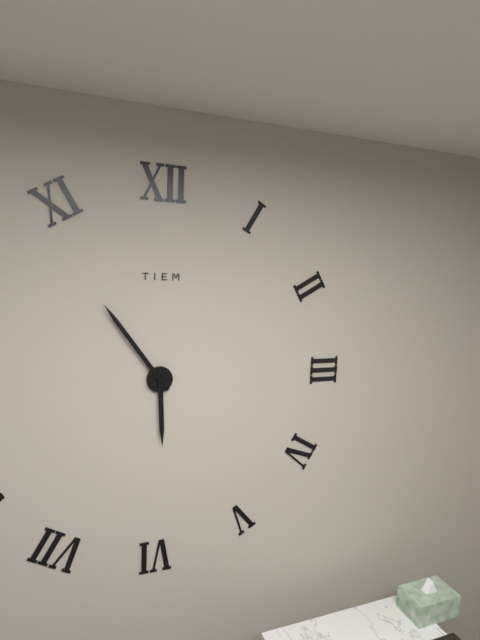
5:54
